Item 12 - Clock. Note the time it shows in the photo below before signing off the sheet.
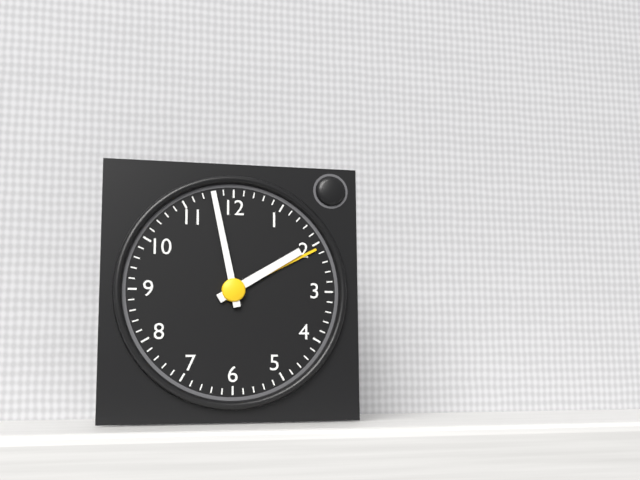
1:58
